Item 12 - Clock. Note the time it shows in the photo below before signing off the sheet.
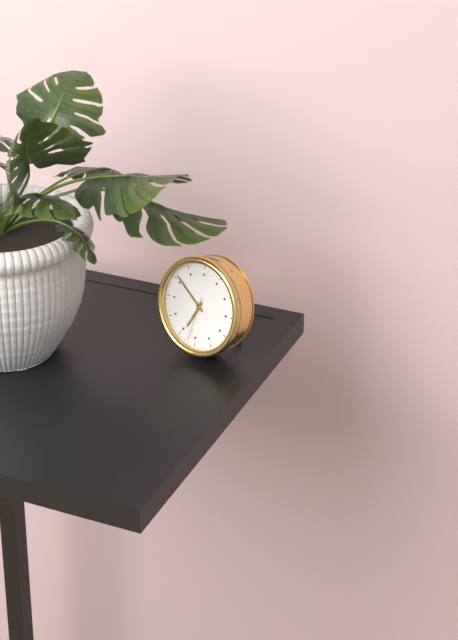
6:51
